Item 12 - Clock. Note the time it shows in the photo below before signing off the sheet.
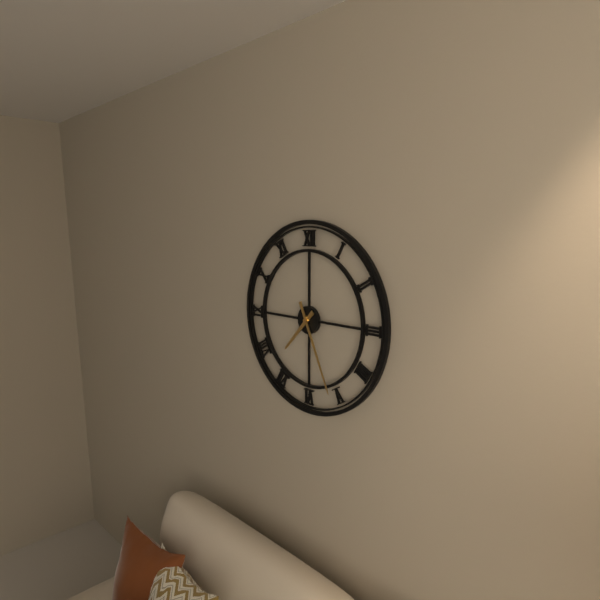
7:26
